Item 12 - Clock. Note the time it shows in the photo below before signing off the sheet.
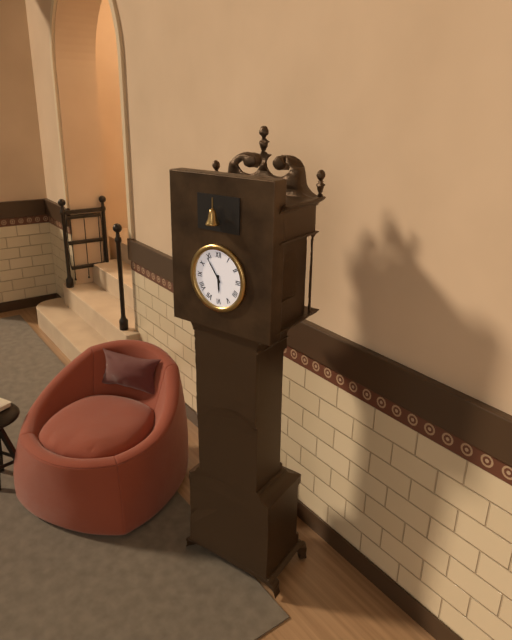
5:54
